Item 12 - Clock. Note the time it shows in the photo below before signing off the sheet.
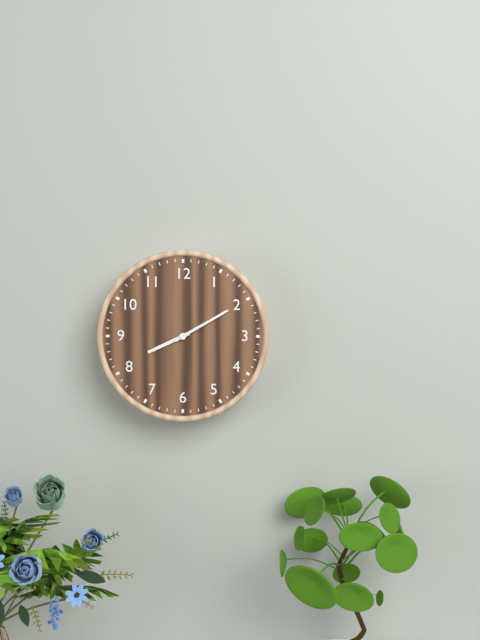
8:10
